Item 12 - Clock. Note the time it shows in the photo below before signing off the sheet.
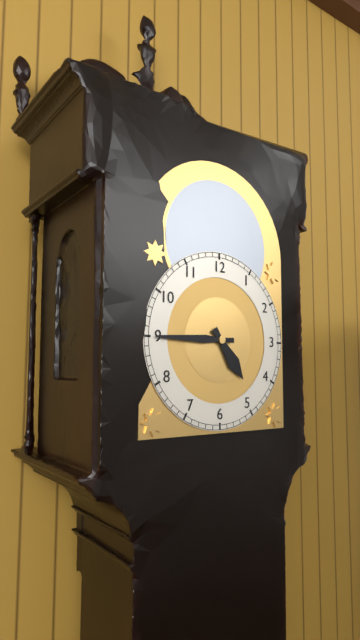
4:45
